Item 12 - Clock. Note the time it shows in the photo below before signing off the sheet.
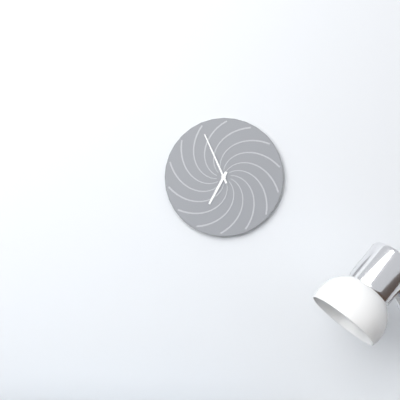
6:56
